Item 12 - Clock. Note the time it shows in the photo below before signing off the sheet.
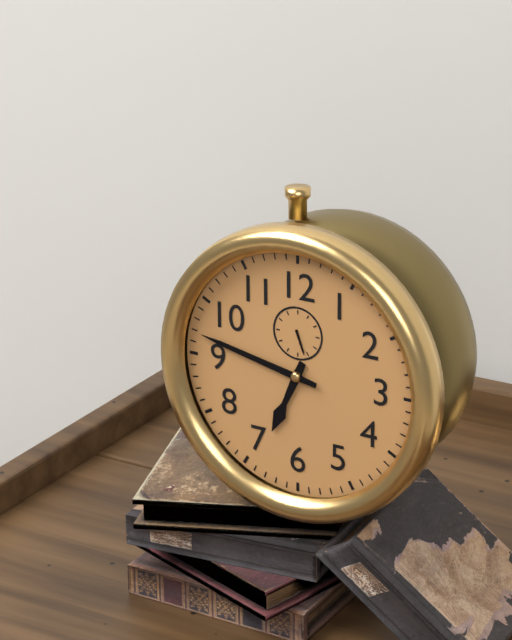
6:47
